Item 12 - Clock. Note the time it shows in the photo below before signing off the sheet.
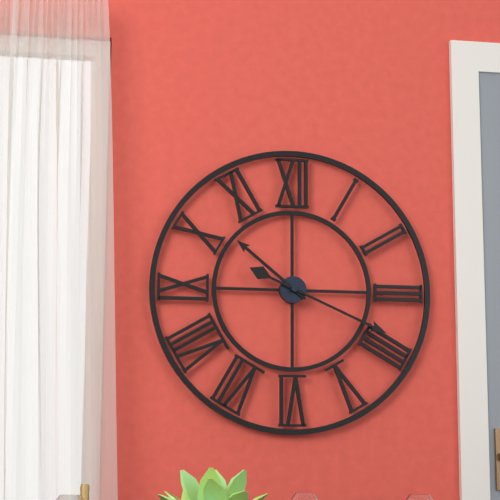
10:19
